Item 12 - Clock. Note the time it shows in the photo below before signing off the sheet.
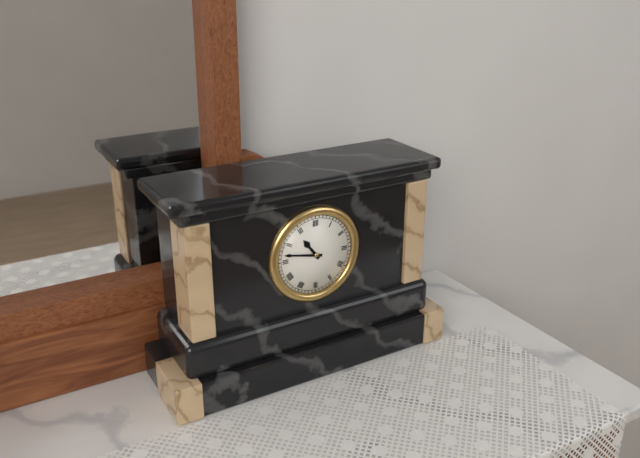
10:47
